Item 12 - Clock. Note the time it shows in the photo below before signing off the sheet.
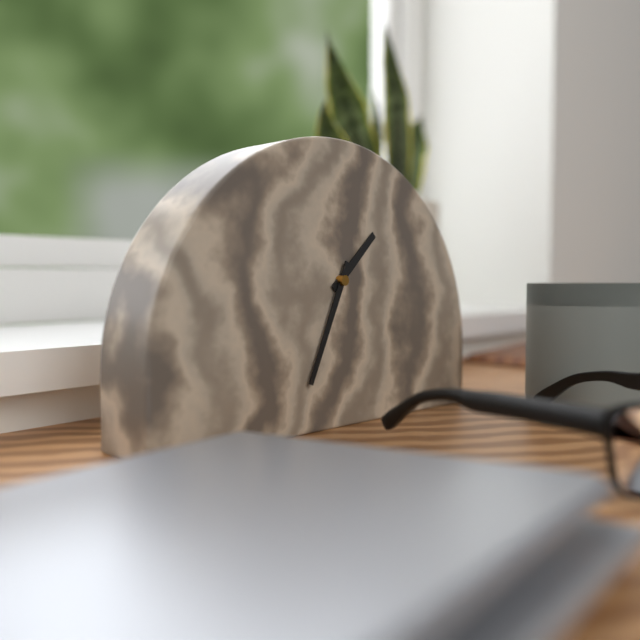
1:34
